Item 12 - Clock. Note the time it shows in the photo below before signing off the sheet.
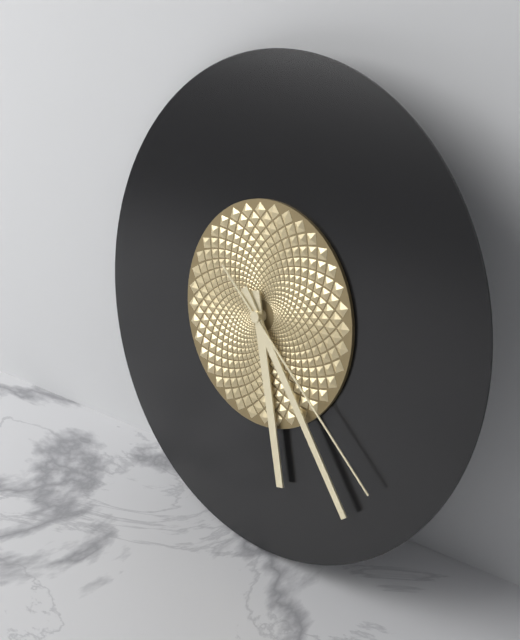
5:23:21
